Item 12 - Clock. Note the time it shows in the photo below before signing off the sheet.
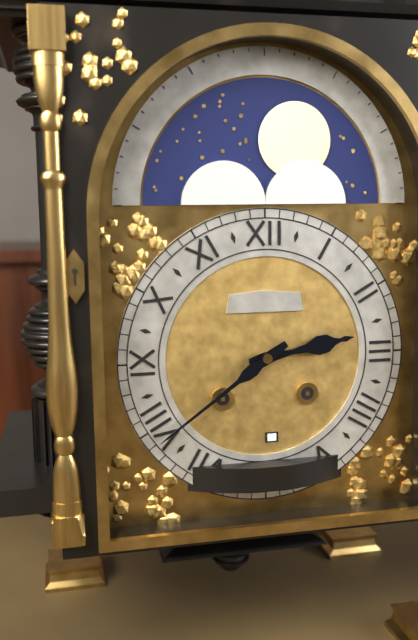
2:39
